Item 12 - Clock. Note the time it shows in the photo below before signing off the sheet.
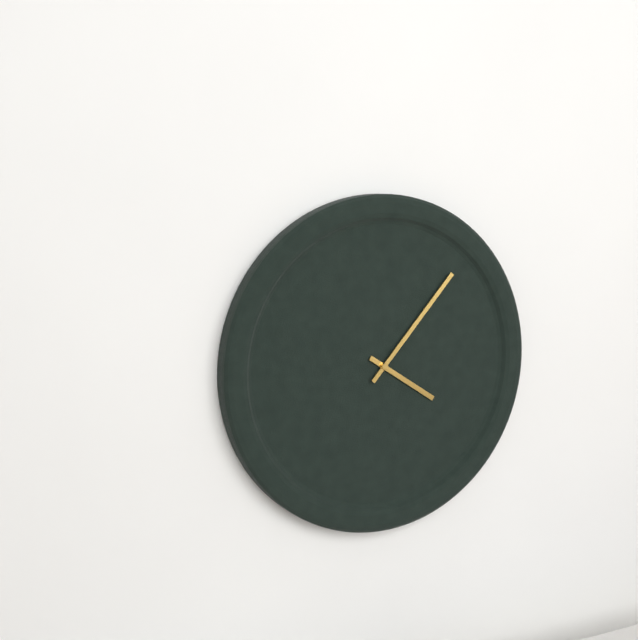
4:07
